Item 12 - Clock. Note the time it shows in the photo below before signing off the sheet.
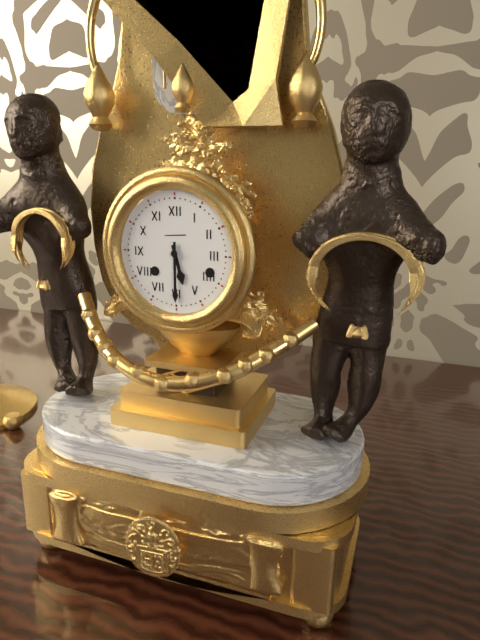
5:30
